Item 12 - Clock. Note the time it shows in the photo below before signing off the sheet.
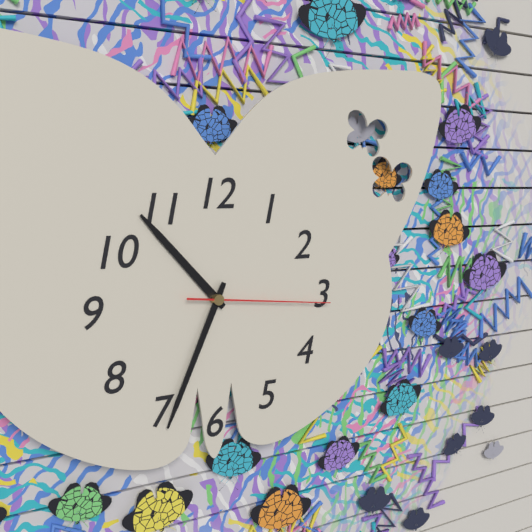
10:34:16
